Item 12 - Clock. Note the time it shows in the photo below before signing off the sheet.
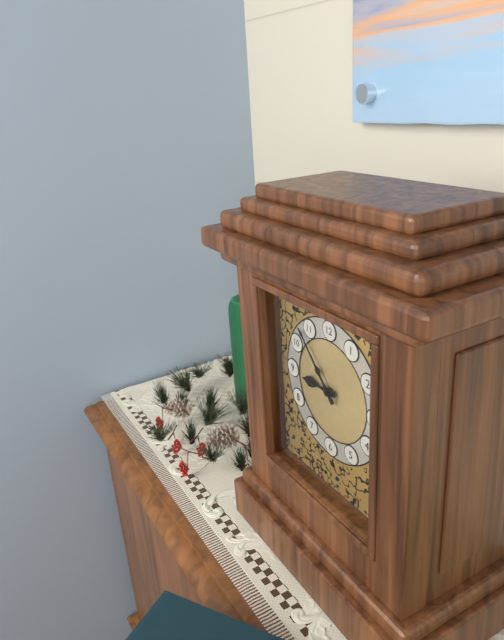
8:53
